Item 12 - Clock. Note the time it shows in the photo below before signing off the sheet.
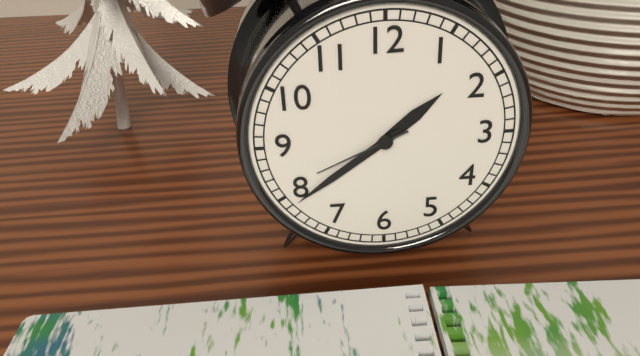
1:39:41
